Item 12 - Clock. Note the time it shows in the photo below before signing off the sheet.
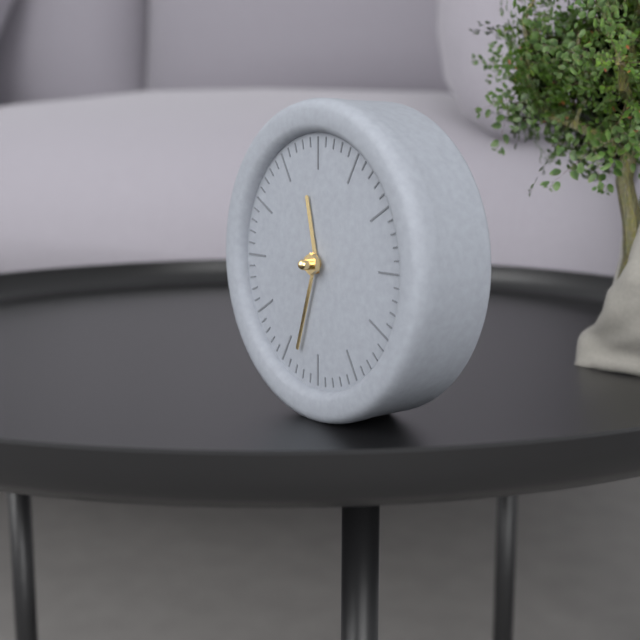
11:33
